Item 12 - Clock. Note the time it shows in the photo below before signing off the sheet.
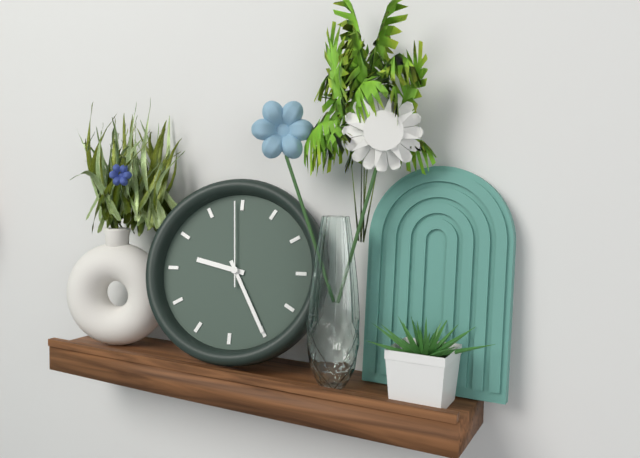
9:25:59
